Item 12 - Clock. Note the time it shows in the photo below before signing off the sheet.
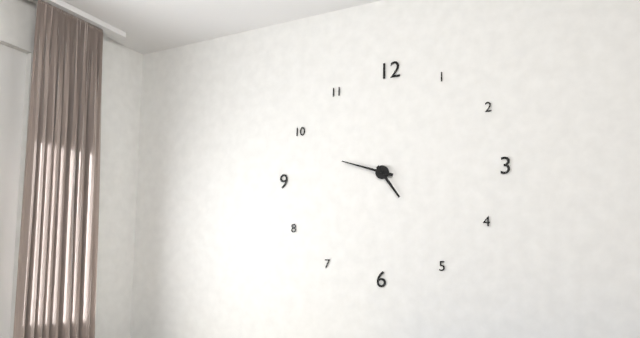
4:48
